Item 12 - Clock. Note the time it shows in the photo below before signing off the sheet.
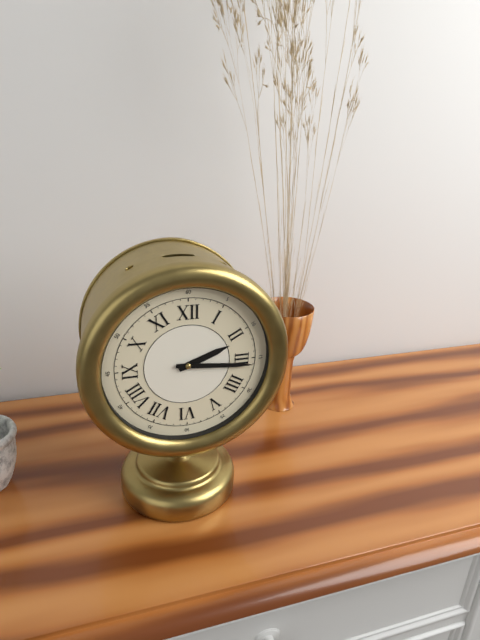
2:16
